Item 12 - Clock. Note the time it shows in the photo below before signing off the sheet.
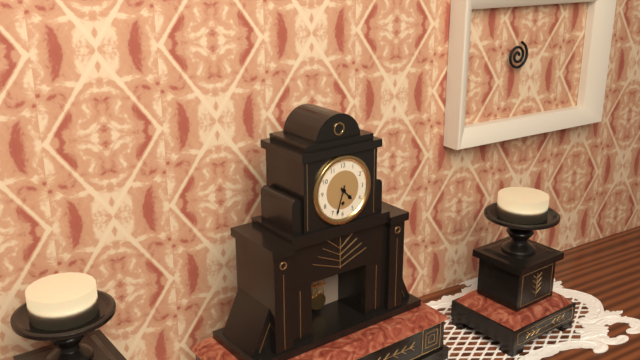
4:33
